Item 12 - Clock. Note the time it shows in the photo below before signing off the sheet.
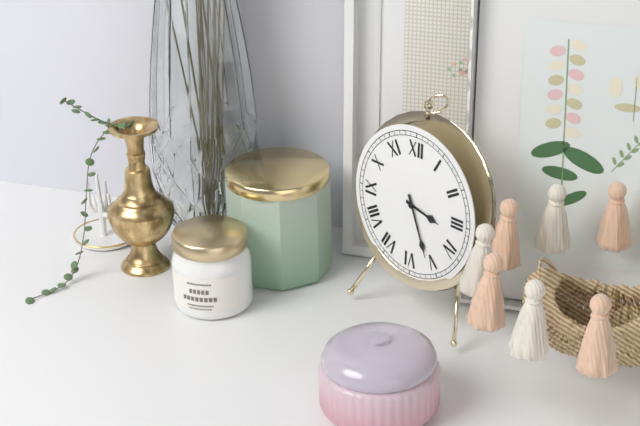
3:26
